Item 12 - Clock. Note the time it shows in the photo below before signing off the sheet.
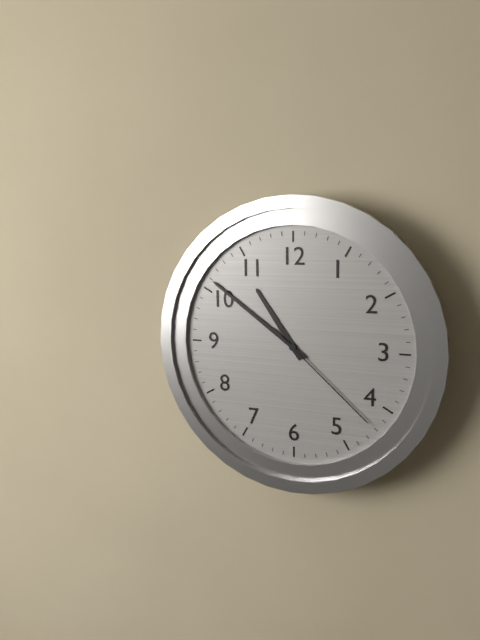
10:51:22
